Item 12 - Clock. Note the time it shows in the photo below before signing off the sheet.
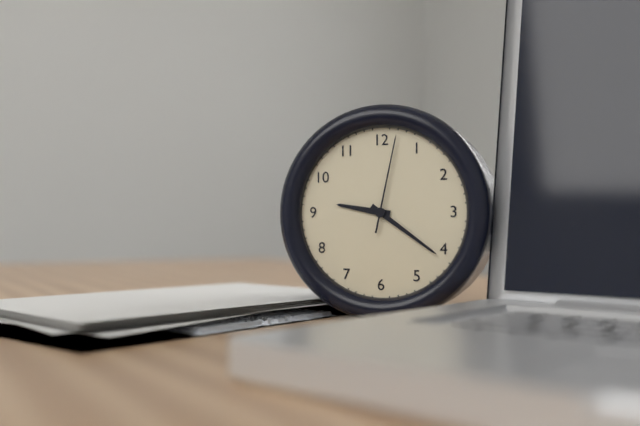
9:21:02
